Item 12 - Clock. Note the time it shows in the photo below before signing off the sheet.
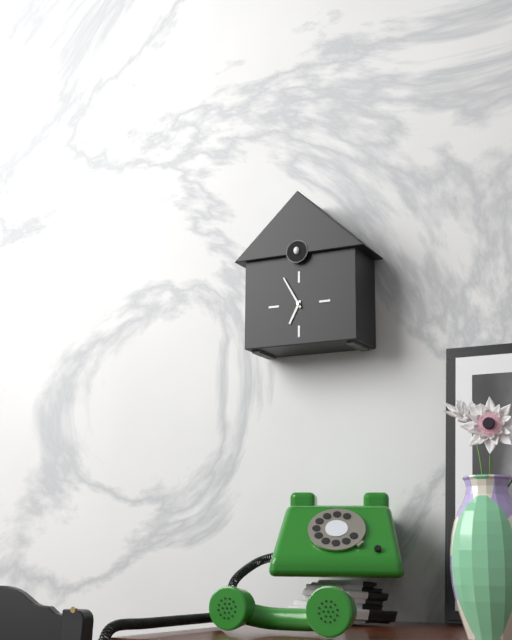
6:55
